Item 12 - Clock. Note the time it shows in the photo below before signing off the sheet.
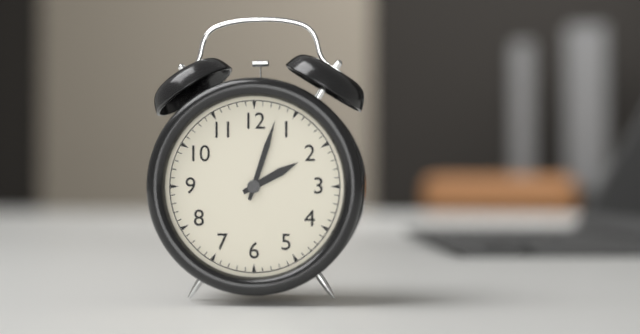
2:03
